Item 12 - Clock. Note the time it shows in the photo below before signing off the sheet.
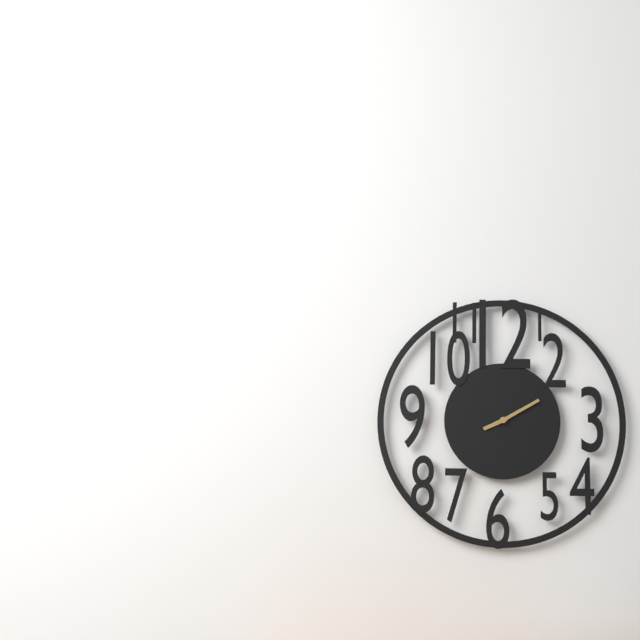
8:10
